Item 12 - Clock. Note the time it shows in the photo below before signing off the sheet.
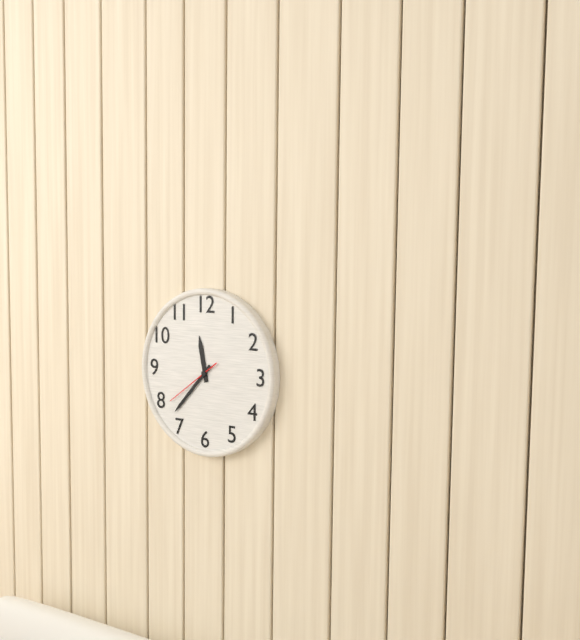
11:37:39
